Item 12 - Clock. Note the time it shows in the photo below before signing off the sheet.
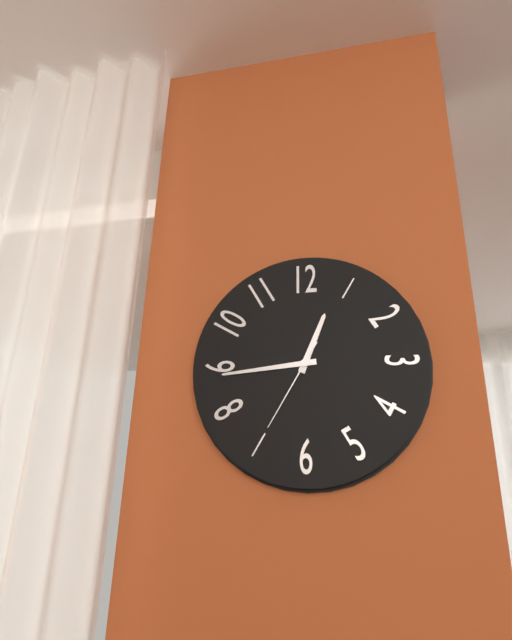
12:44:35
